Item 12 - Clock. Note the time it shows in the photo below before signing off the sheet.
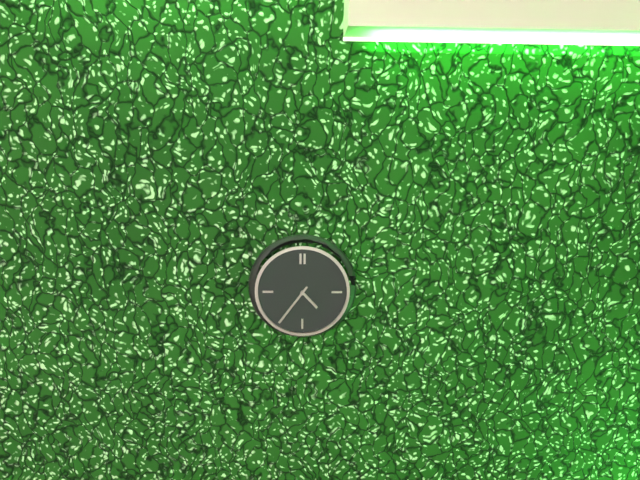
4:36
